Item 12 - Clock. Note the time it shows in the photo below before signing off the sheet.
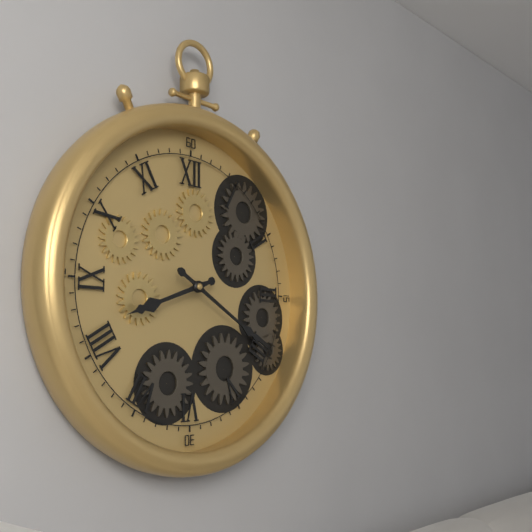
8:20
